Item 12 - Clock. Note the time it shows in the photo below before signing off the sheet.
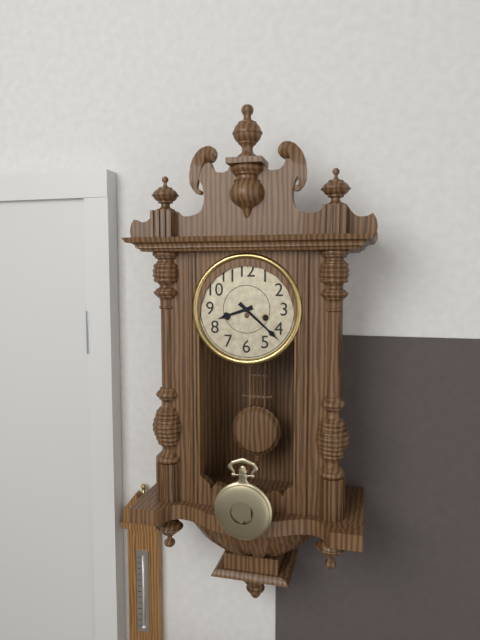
8:22
